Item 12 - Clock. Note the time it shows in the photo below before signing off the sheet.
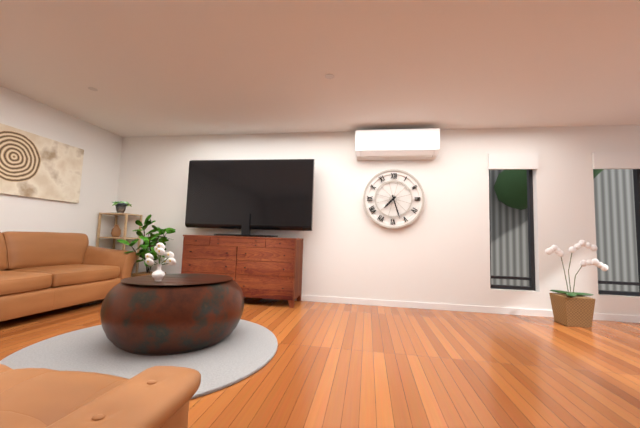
7:27
